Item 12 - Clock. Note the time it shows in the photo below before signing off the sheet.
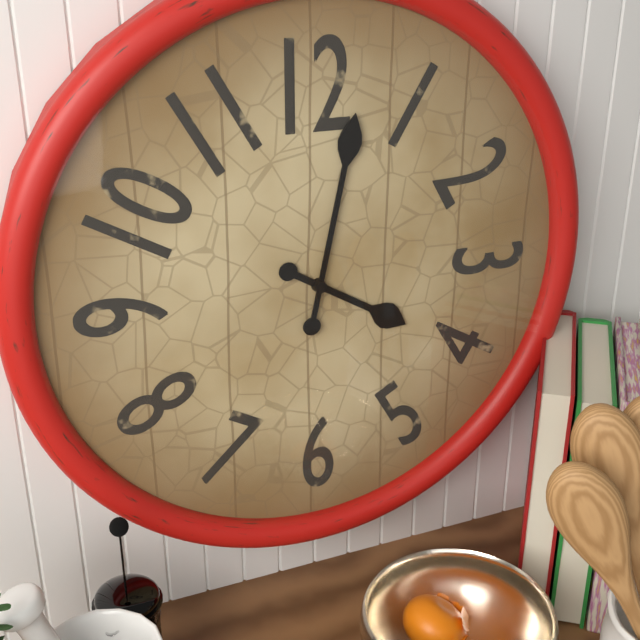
4:02
